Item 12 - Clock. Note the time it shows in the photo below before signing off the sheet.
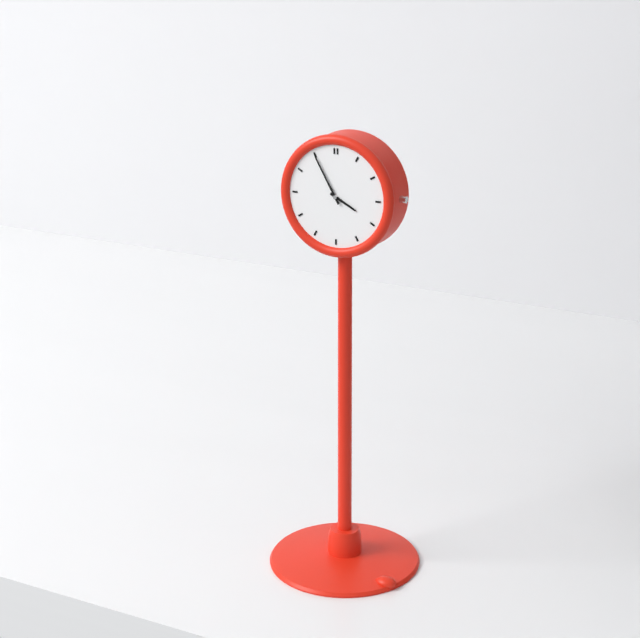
3:55
